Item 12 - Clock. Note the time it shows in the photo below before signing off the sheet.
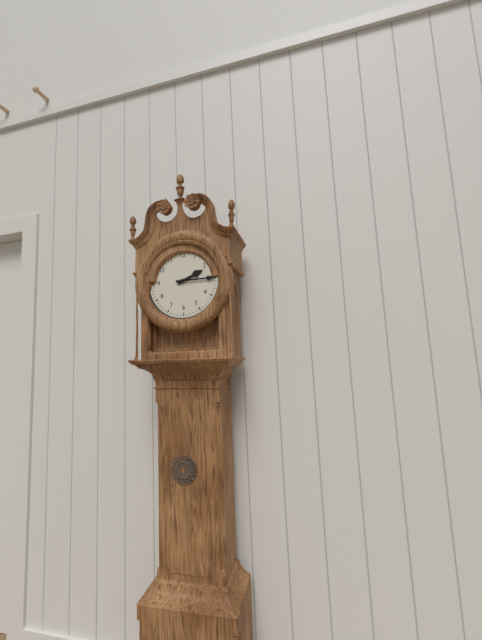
2:15
